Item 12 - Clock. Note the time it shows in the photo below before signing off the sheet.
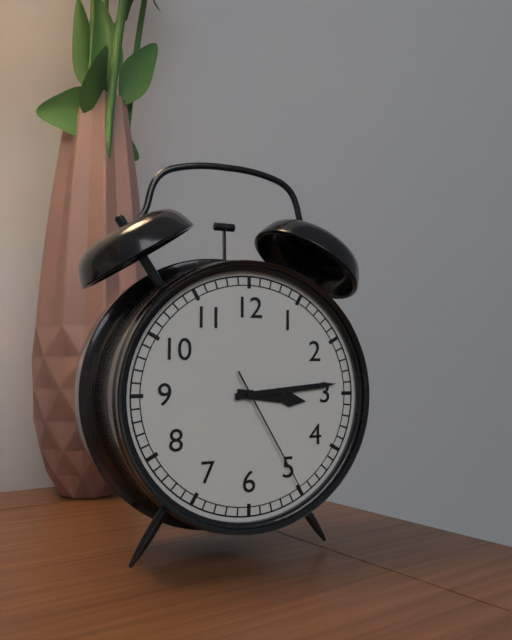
3:14:25
